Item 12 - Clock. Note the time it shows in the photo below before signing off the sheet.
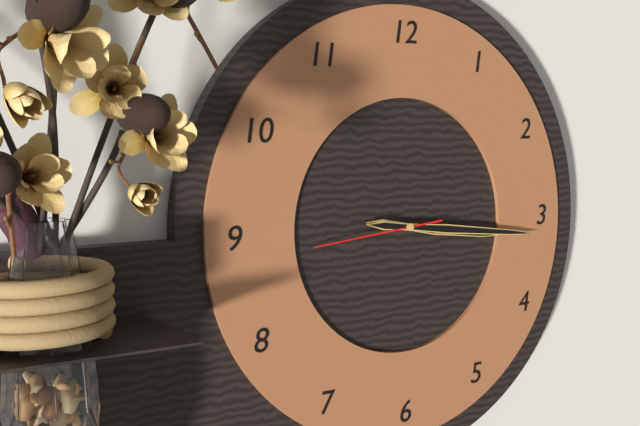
3:16:44
